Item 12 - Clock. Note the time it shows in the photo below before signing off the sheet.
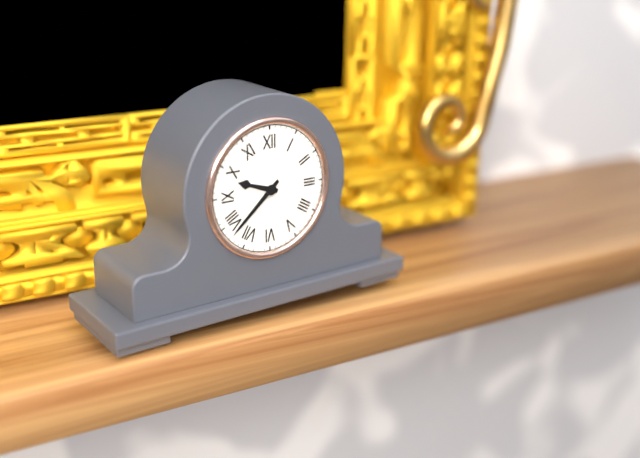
9:38
